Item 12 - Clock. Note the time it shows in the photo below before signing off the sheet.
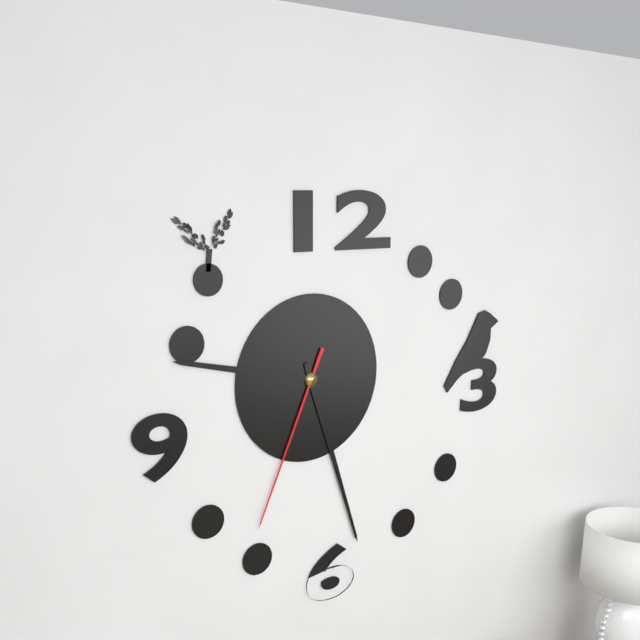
9:27:34
